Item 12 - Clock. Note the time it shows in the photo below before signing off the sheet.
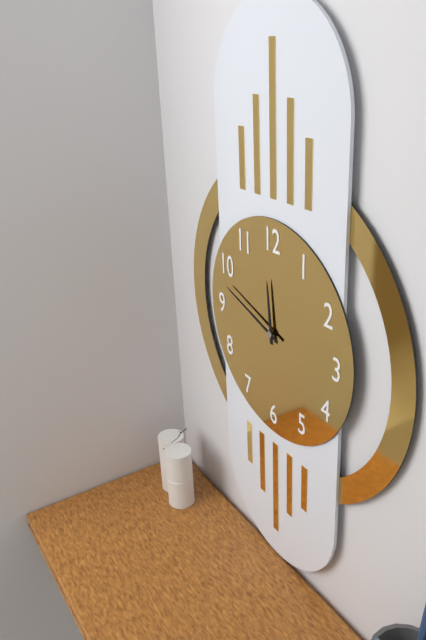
11:48
